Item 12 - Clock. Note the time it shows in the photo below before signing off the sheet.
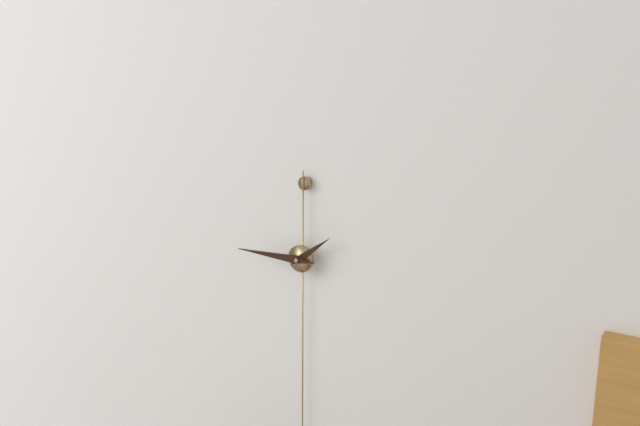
1:45
